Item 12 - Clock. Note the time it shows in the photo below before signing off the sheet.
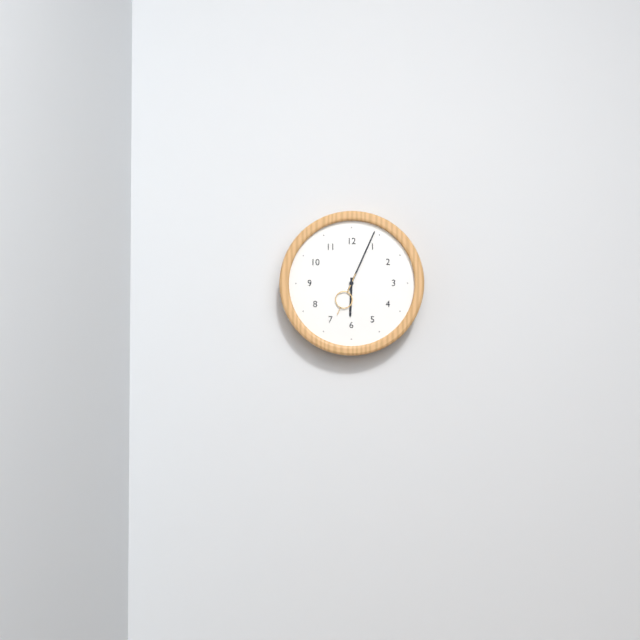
6:04
